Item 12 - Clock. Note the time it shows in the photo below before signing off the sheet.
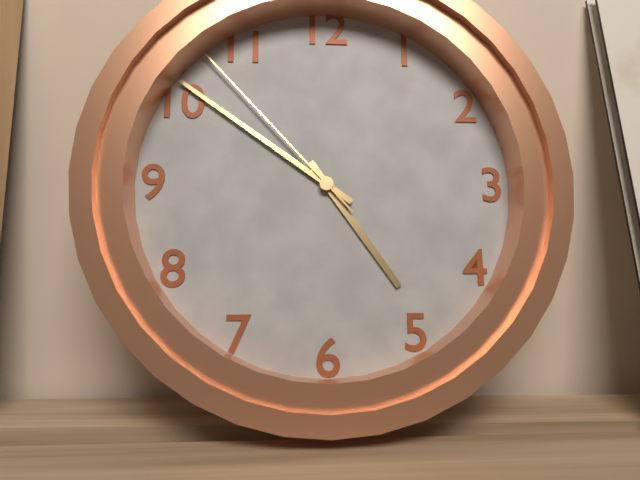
4:51:53
